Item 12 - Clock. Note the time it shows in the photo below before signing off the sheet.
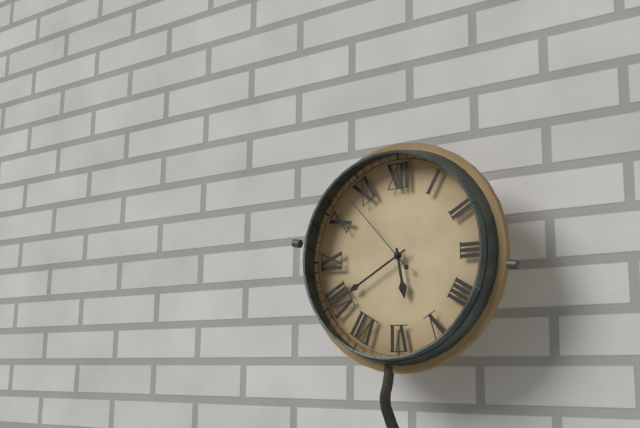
5:40:53
